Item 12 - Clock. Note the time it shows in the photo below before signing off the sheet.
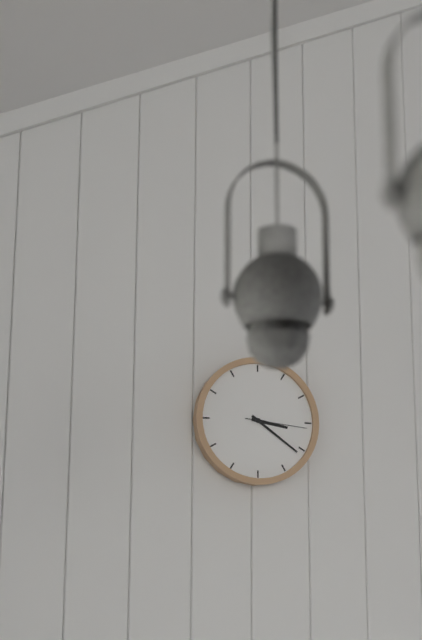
3:21:16
